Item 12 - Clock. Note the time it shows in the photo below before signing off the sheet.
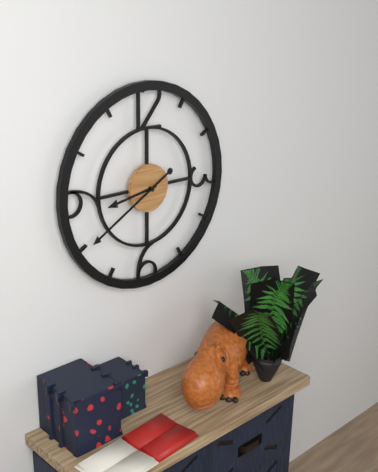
8:40
